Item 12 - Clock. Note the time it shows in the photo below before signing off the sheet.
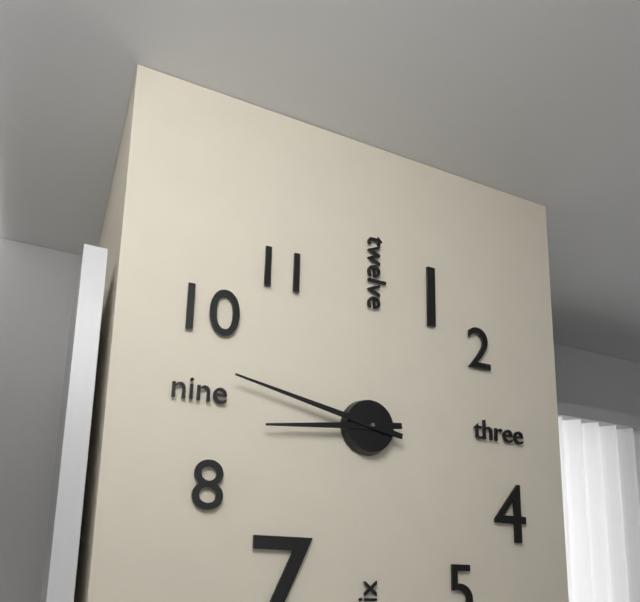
8:47
